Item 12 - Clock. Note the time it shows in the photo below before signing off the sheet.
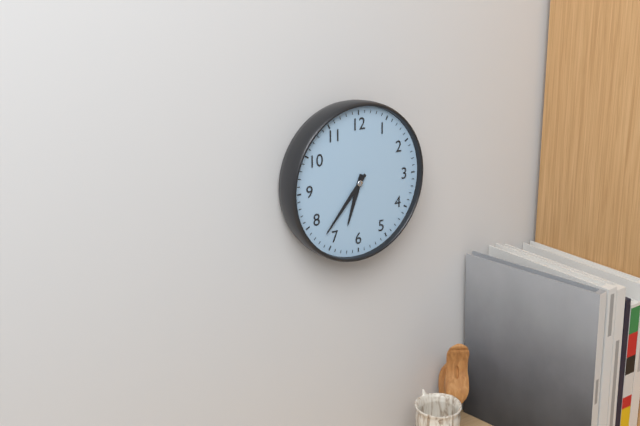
6:37
